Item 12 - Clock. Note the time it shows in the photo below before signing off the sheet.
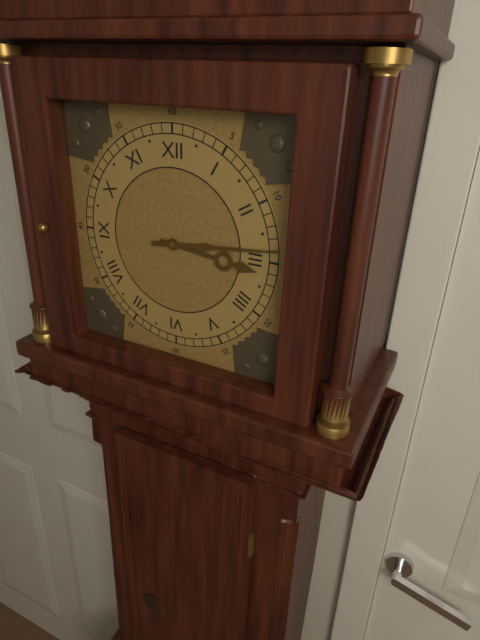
3:14
